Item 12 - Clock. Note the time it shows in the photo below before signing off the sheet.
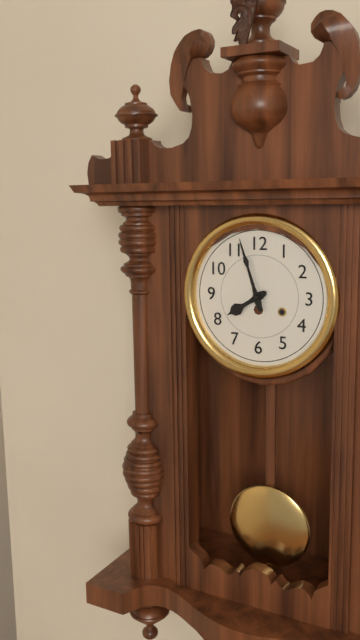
7:57
